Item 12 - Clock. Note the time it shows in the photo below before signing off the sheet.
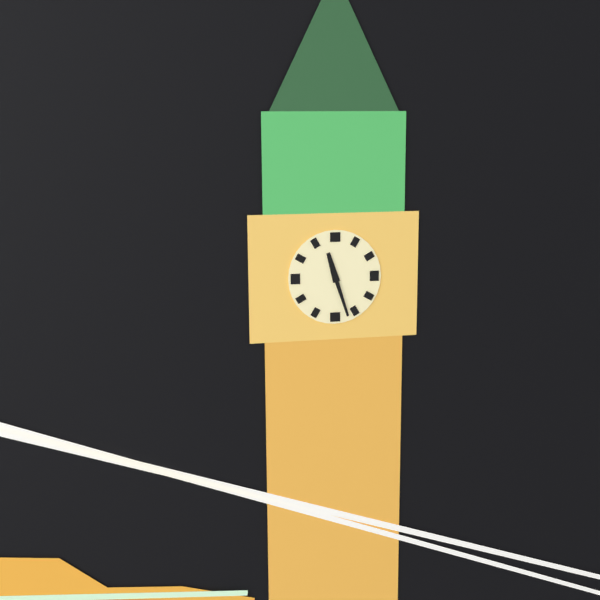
11:27
